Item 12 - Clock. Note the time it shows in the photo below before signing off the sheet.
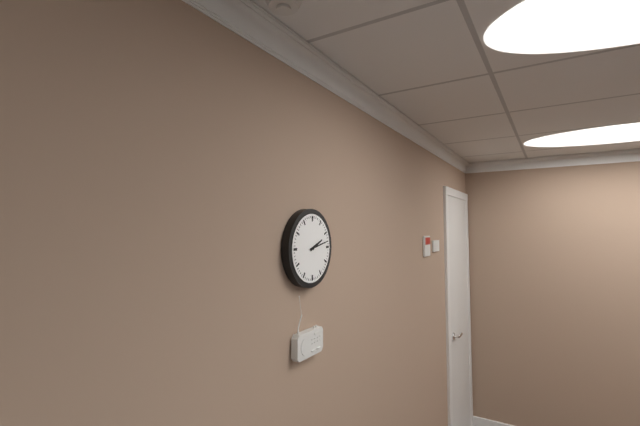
2:13
